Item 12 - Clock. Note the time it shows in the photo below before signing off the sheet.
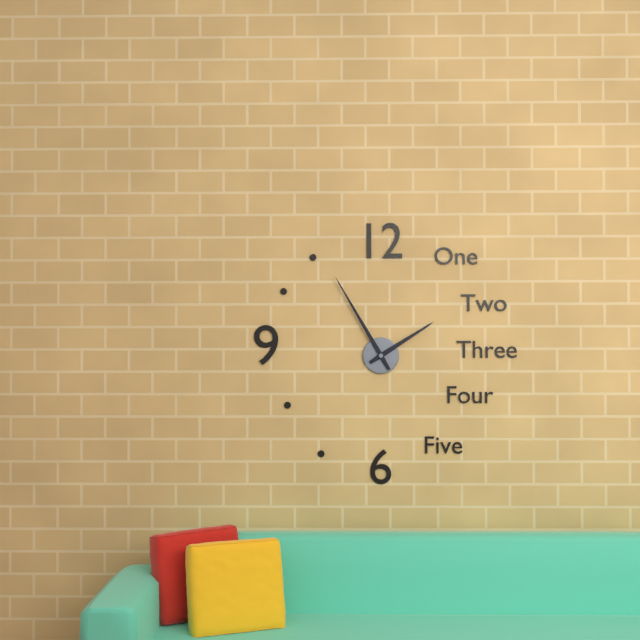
1:55
